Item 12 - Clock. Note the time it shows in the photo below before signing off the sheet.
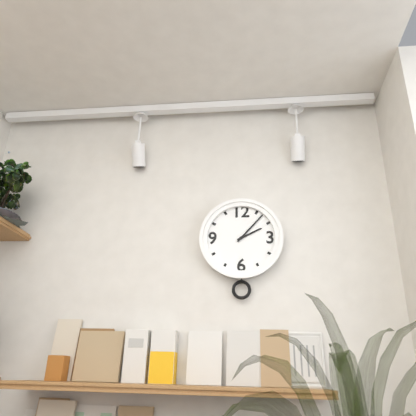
2:07
